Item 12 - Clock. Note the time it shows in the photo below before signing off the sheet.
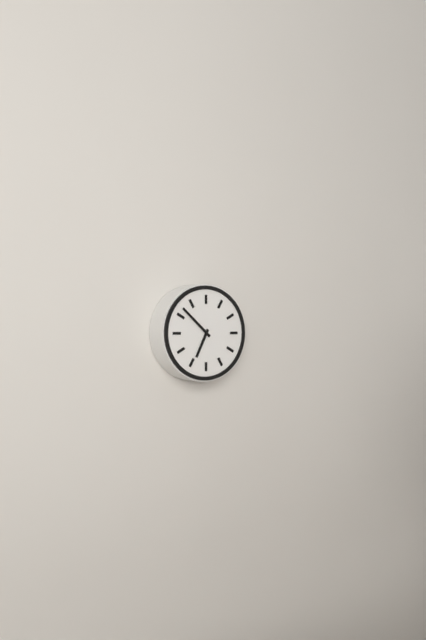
6:52
